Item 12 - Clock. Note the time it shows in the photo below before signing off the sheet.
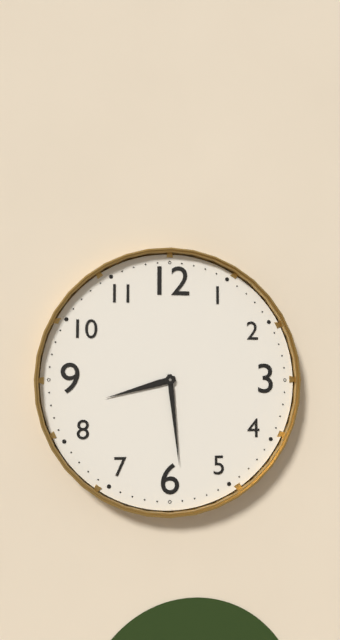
8:29
